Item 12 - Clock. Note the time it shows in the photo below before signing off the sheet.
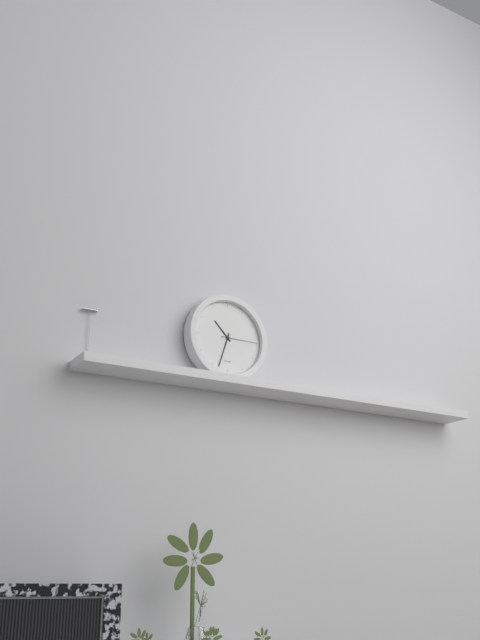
10:33
